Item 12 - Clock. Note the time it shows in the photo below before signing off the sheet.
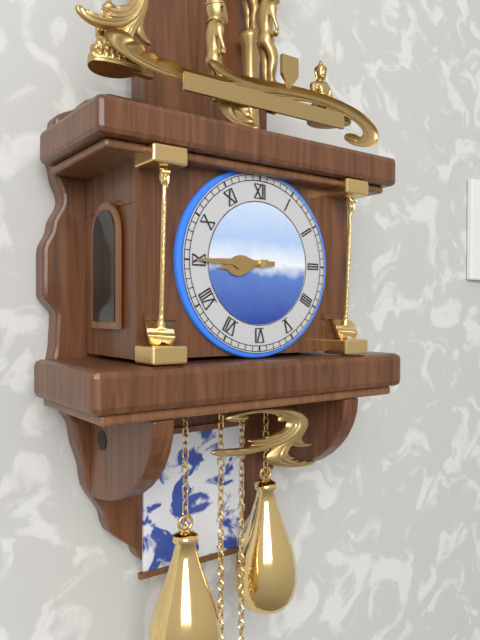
8:45
